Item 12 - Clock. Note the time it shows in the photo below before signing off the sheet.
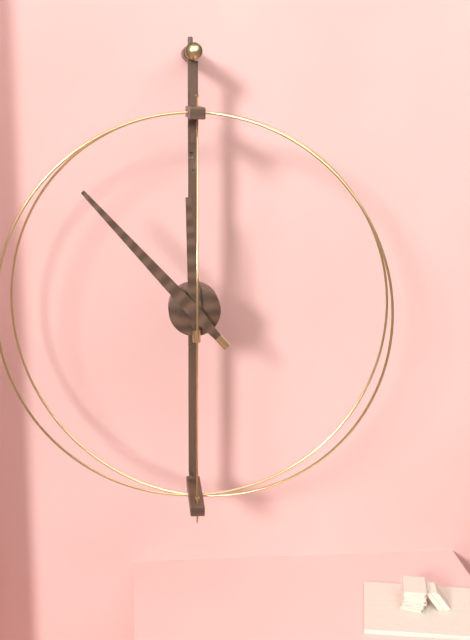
11:53
